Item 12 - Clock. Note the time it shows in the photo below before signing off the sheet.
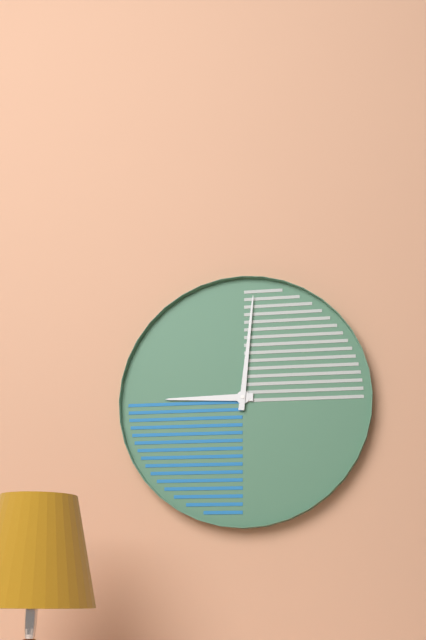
9:01
